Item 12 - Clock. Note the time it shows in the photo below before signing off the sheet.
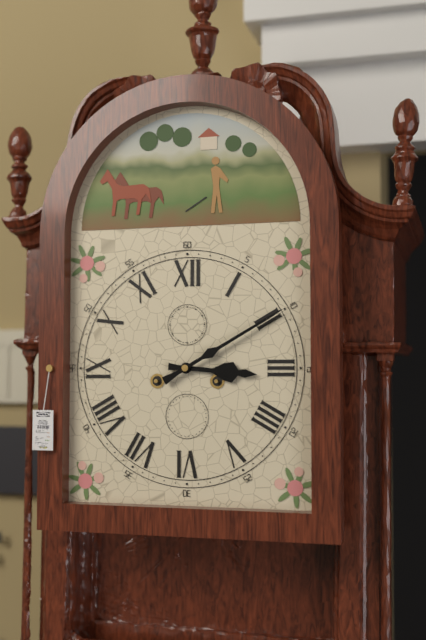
3:10
